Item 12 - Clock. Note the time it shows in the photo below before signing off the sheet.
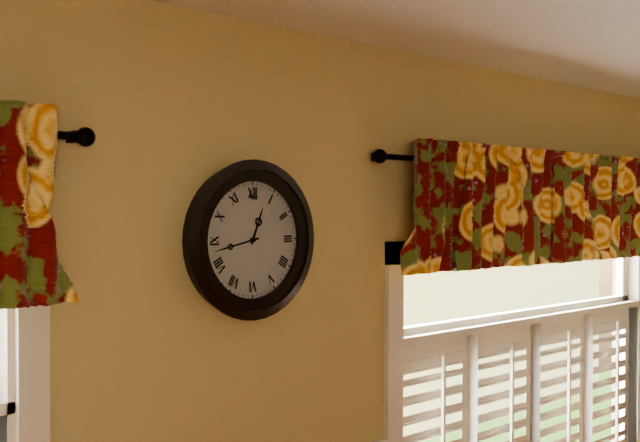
12:43
